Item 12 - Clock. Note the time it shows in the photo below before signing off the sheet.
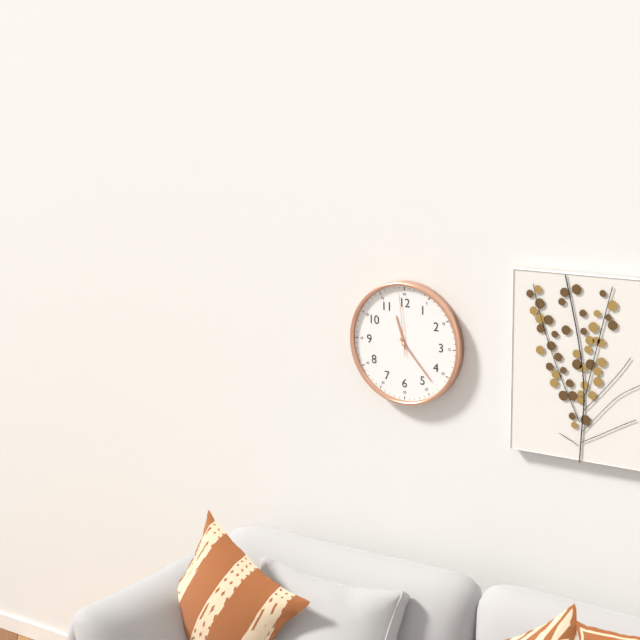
11:23:59
